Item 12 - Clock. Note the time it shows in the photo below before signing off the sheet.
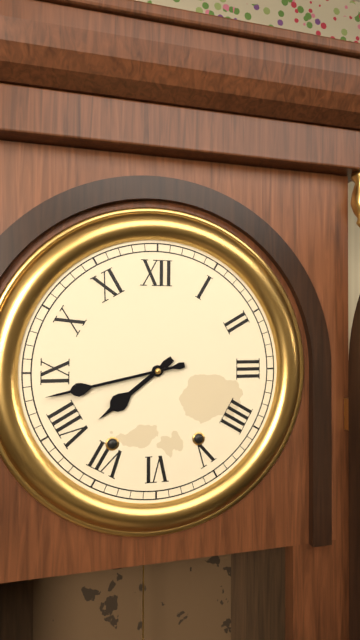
7:43
